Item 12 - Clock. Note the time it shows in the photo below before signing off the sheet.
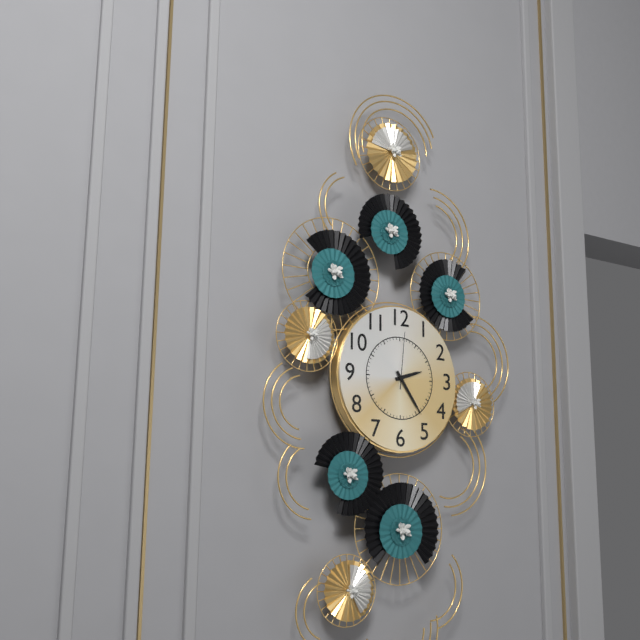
2:24:01
